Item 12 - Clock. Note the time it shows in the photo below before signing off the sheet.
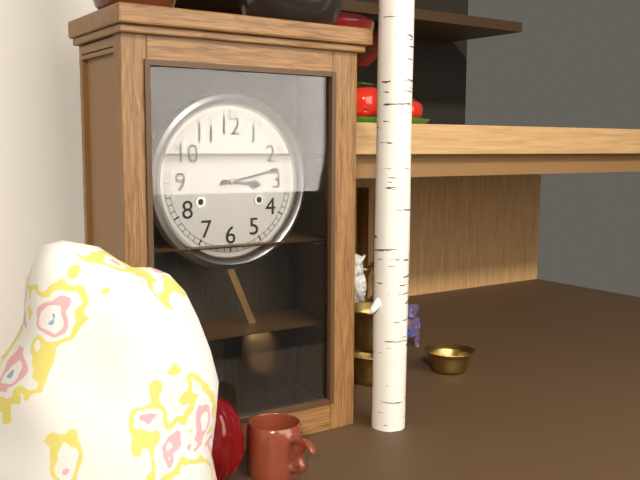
3:13
